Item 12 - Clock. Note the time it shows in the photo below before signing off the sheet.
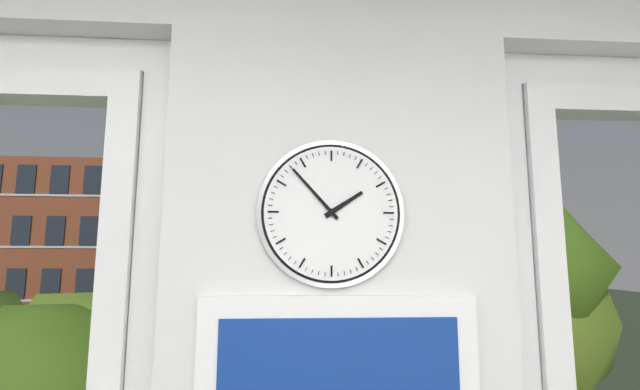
1:53
